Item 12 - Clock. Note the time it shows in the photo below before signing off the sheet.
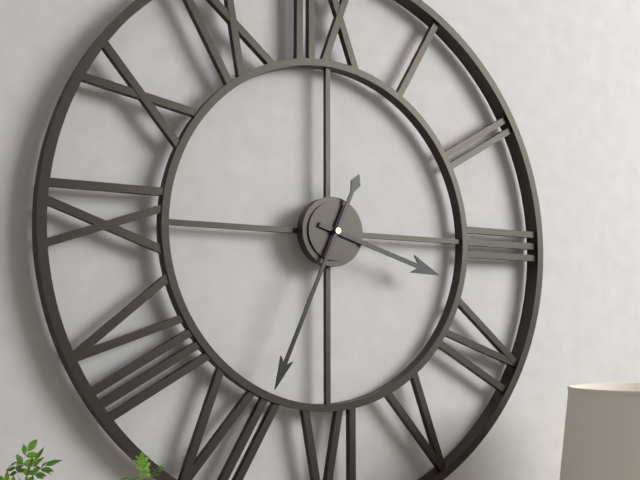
3:34
